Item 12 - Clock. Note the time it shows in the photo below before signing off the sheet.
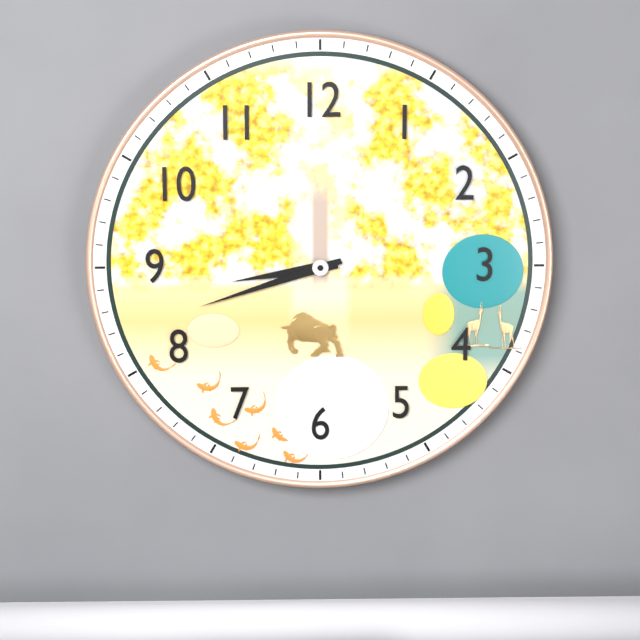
8:42
